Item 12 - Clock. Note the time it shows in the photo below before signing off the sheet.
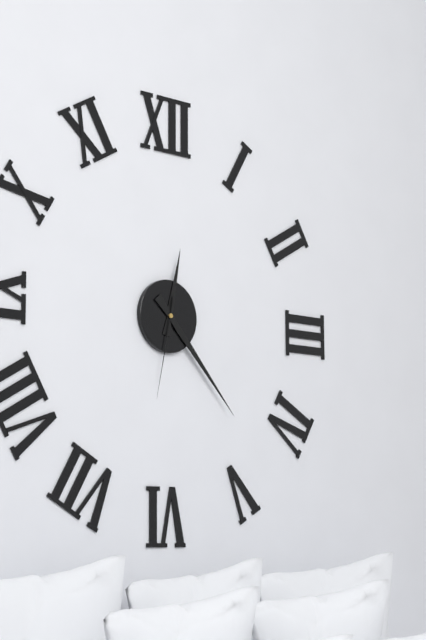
12:23:32
